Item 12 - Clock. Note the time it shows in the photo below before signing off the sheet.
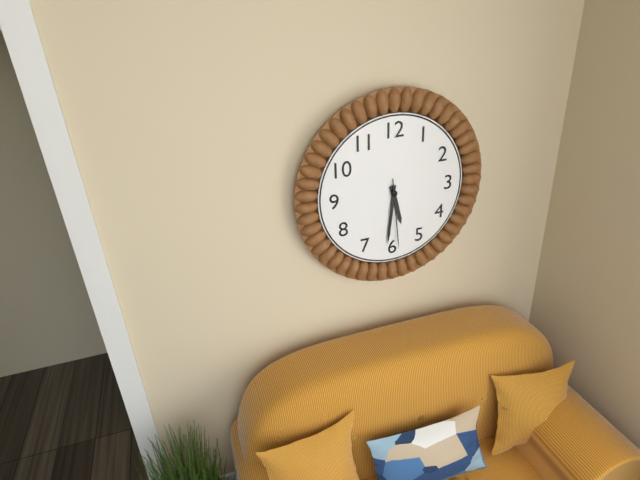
5:31:29
